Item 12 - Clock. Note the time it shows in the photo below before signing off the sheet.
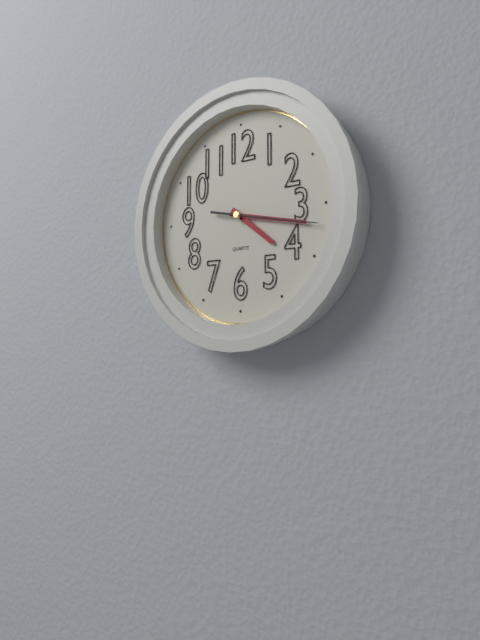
4:17:17
